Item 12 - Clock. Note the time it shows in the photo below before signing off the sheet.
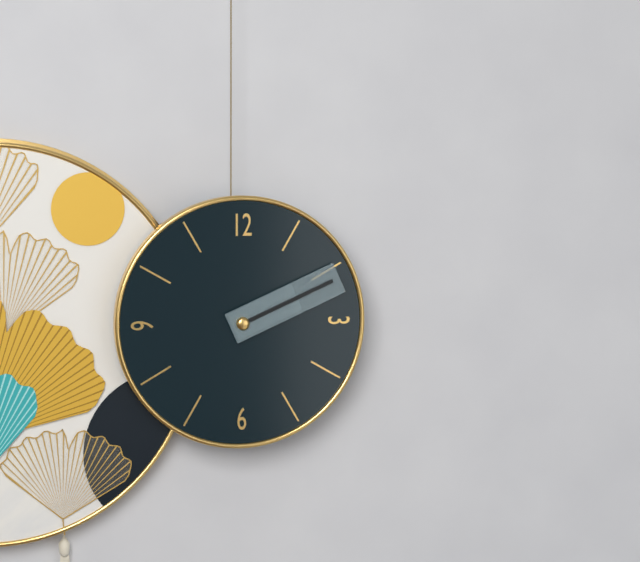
2:11
